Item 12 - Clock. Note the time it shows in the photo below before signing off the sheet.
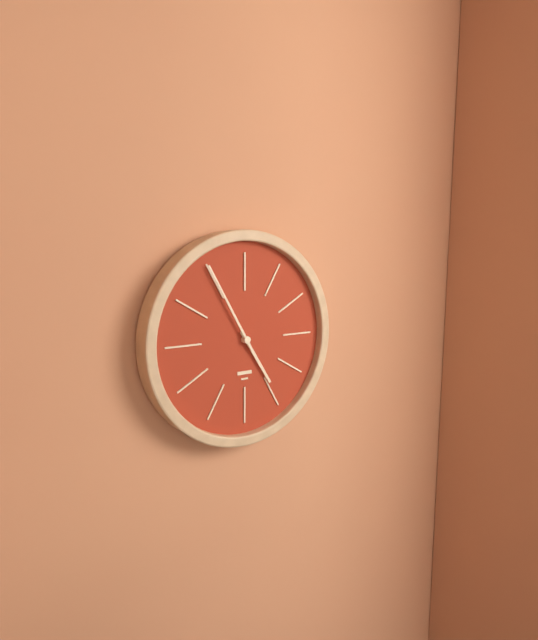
4:55
